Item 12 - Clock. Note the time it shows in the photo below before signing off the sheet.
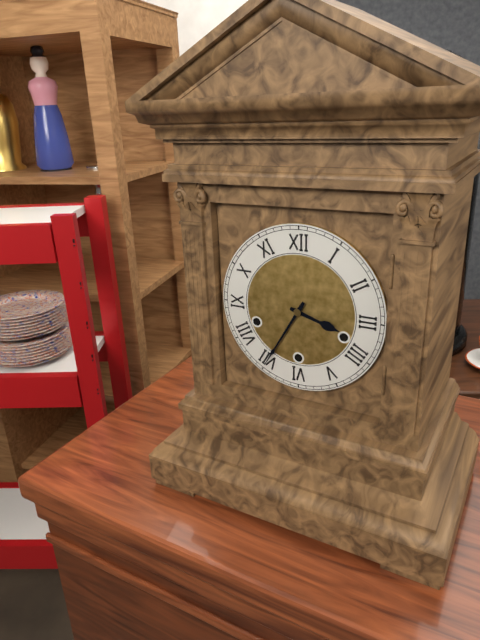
3:35
